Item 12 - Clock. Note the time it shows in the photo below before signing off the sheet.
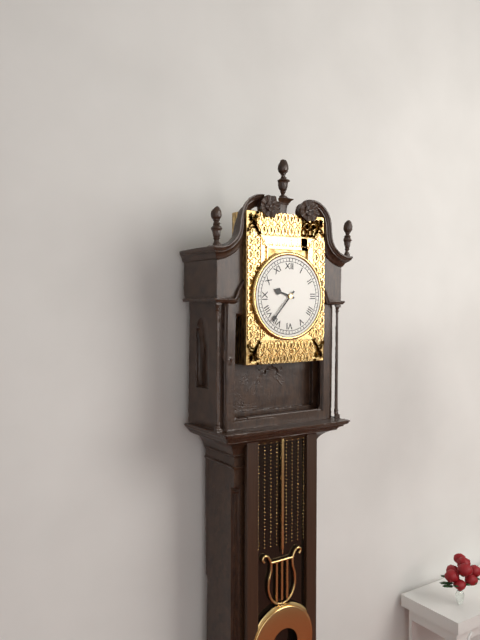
9:37
